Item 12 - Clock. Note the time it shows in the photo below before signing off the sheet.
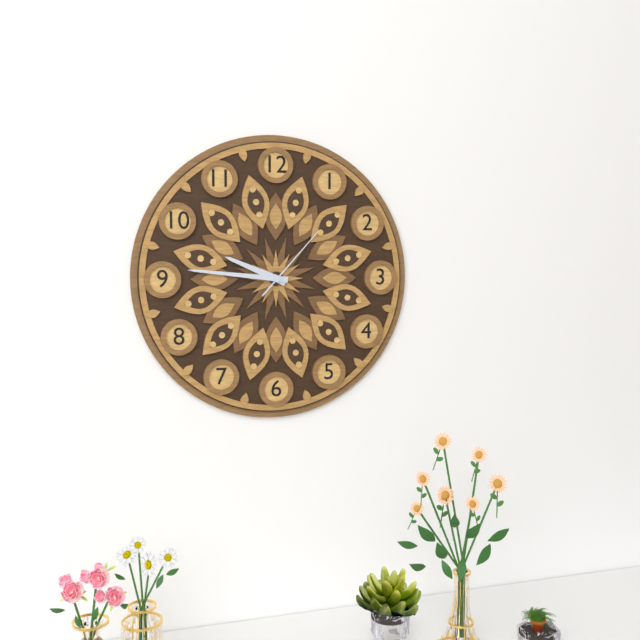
9:46:07
